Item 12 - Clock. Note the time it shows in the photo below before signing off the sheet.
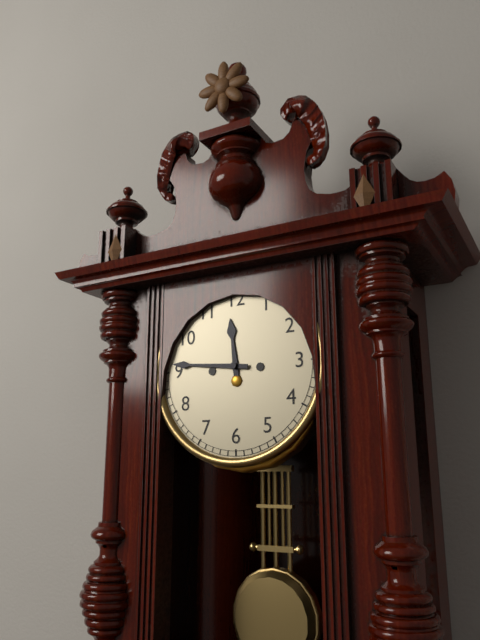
11:46
